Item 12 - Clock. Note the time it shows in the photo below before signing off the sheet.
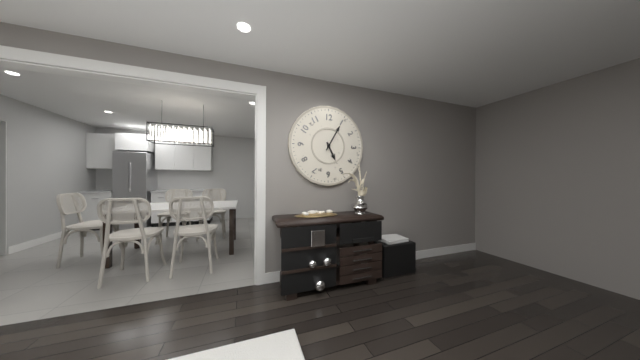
5:05
